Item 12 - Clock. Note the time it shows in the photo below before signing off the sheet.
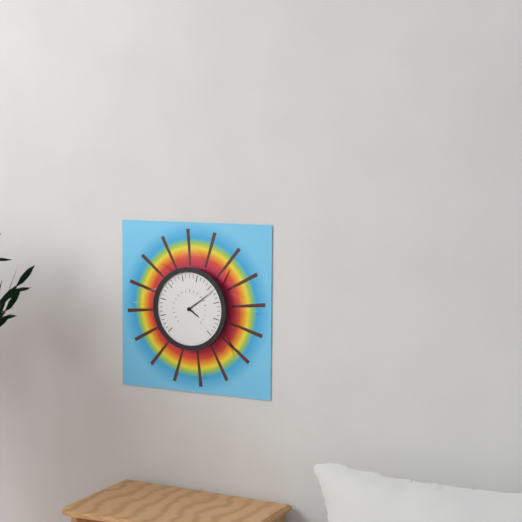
4:09
